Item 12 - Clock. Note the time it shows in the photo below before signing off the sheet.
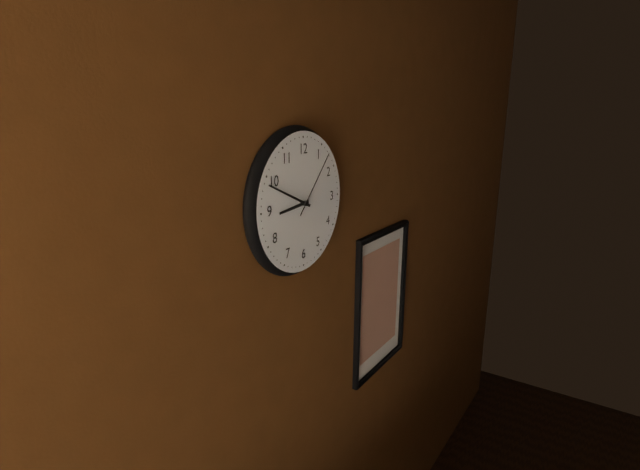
8:49:07
